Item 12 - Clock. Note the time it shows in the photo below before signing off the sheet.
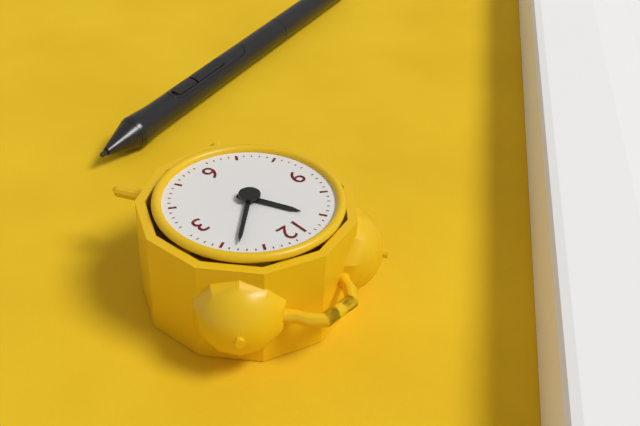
11:08
